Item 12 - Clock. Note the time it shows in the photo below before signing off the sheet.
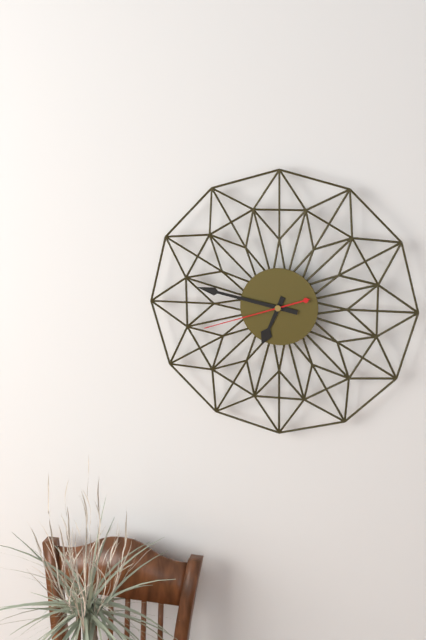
6:47:42
